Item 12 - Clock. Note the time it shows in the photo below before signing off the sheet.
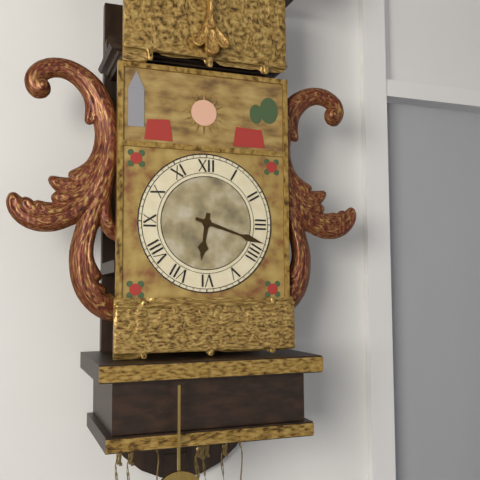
6:18
